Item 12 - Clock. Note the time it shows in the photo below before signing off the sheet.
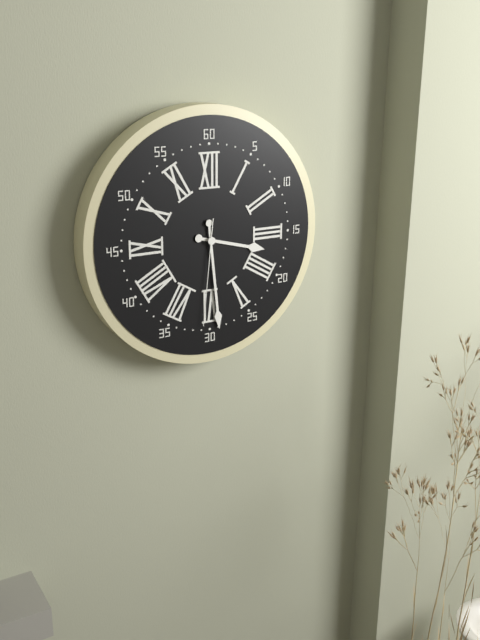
3:29:31
